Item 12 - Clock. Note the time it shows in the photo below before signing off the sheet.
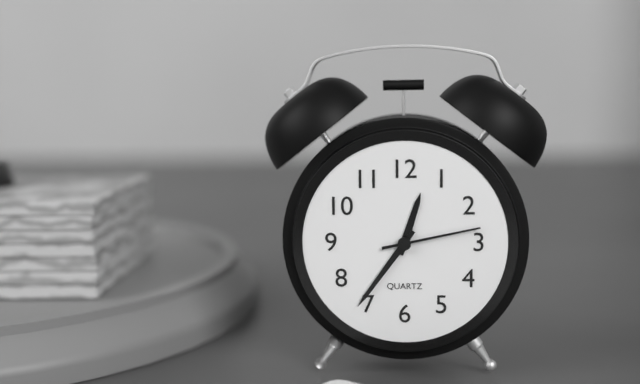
12:36:13
